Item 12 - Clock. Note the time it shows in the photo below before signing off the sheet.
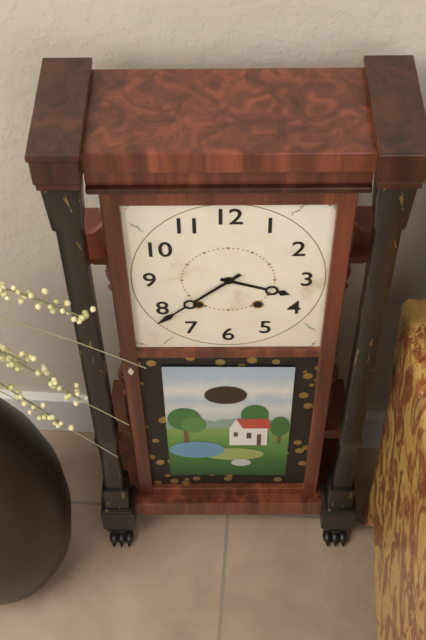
3:38
